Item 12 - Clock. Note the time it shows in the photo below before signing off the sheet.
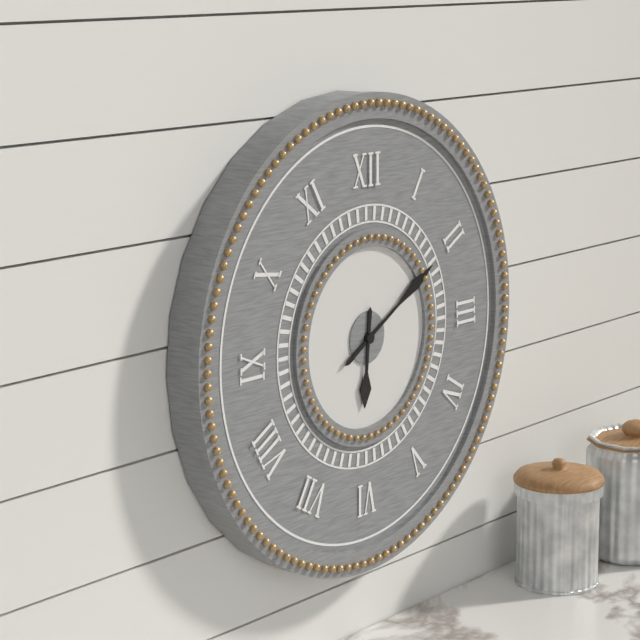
6:10
